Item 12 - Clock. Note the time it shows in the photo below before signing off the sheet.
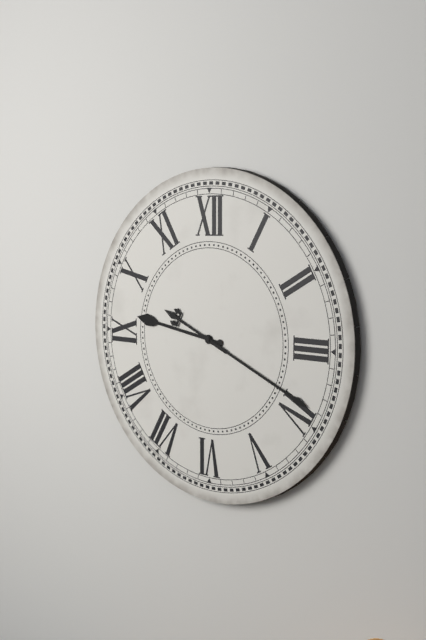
9:19
